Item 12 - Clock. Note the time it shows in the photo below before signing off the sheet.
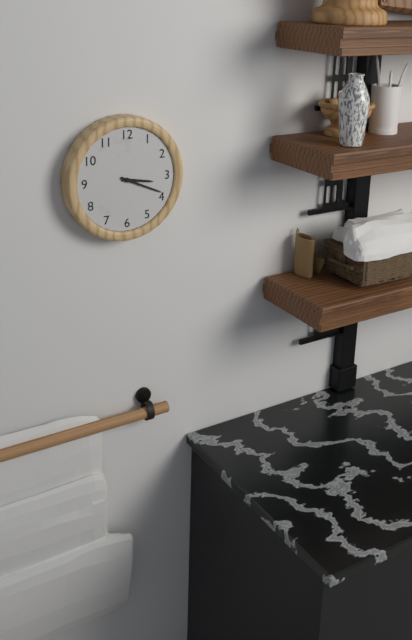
3:19
